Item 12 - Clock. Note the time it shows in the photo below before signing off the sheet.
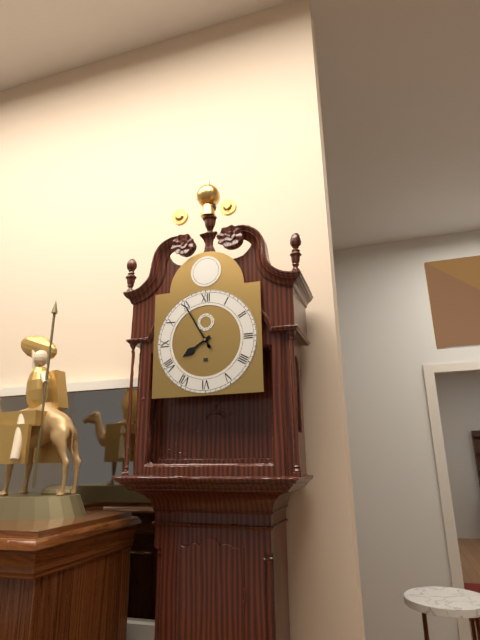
7:55
